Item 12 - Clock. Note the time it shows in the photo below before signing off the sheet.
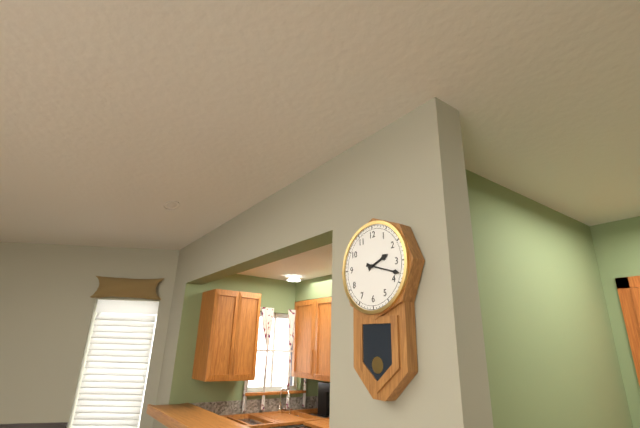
2:18
